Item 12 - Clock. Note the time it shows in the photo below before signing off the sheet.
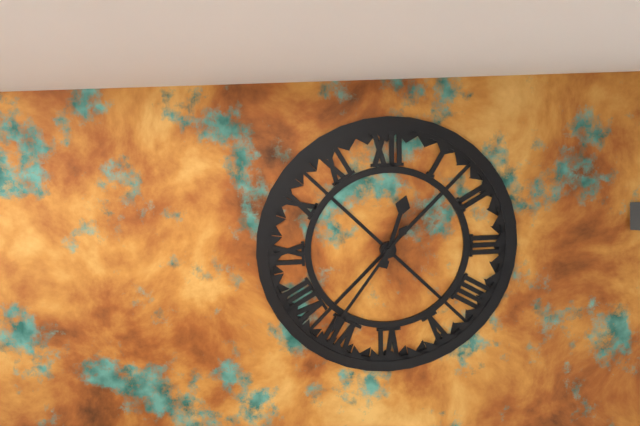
12:36
